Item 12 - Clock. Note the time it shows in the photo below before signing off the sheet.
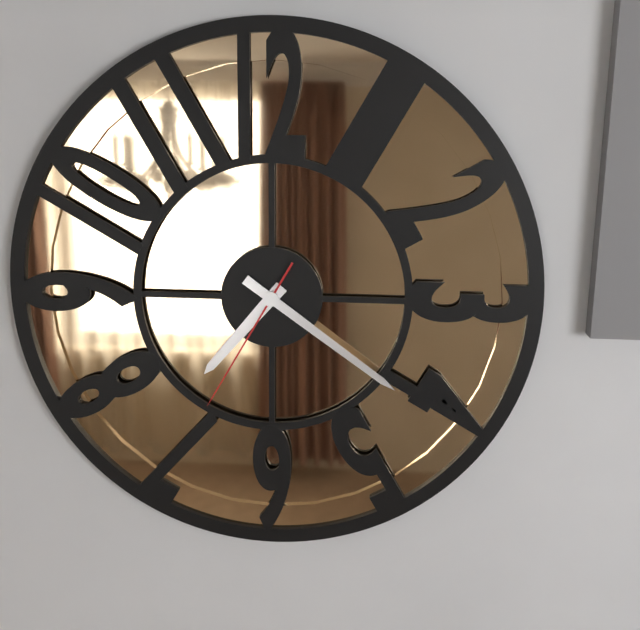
7:21:35
